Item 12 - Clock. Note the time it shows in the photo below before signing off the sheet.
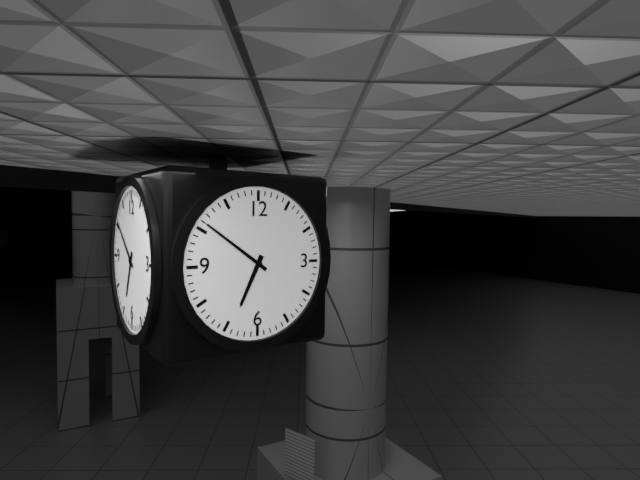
6:51
